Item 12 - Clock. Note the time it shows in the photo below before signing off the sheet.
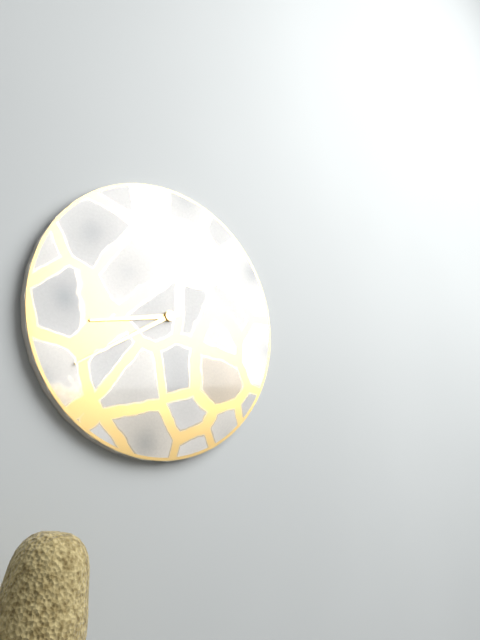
8:40
